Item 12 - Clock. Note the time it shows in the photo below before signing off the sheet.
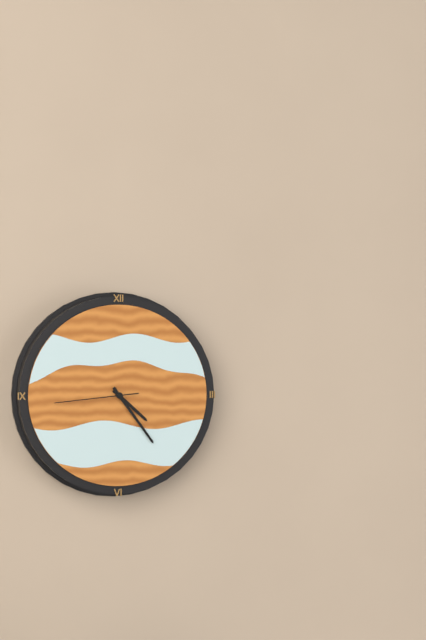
4:24:44
